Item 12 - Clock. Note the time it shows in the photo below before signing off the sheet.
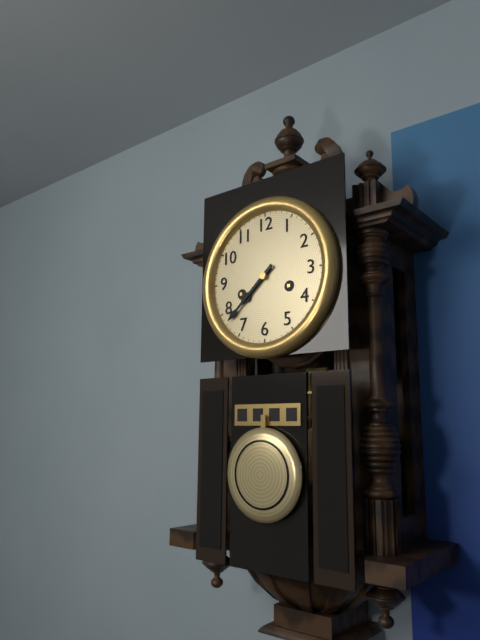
7:38
